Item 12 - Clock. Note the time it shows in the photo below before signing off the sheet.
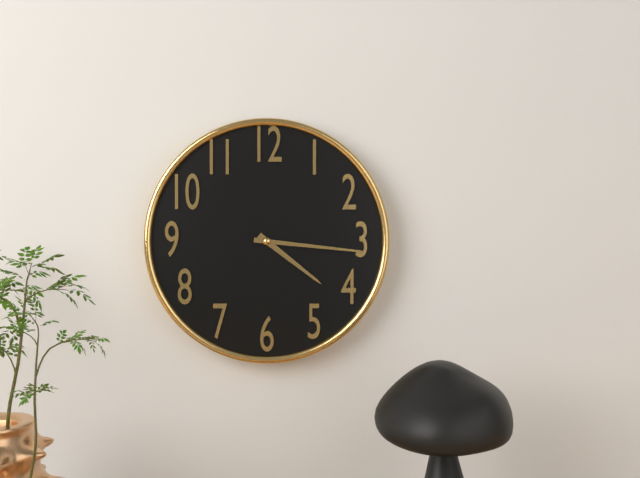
4:16
